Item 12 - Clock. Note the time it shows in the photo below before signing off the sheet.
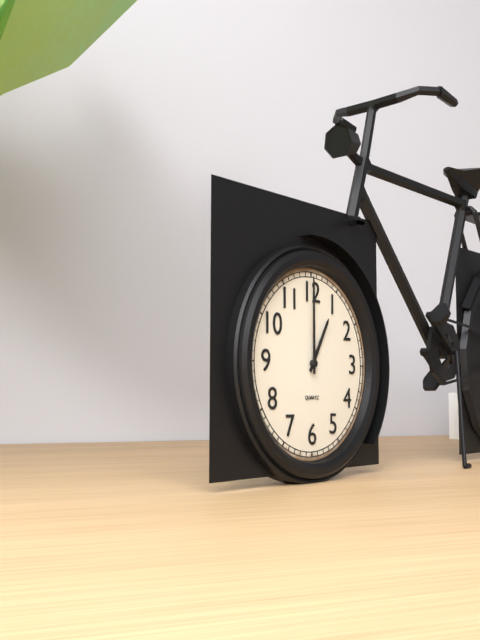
1:00
